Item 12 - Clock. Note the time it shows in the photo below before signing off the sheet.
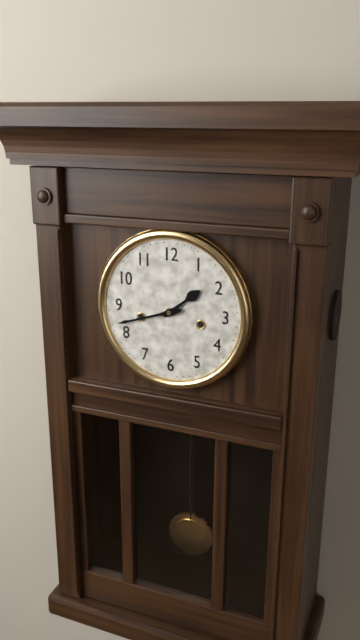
1:42
